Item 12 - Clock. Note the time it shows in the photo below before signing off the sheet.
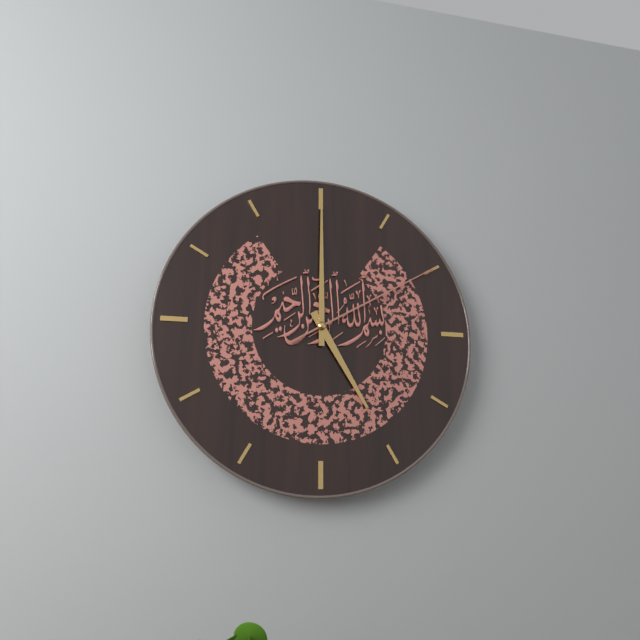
5:00:10
